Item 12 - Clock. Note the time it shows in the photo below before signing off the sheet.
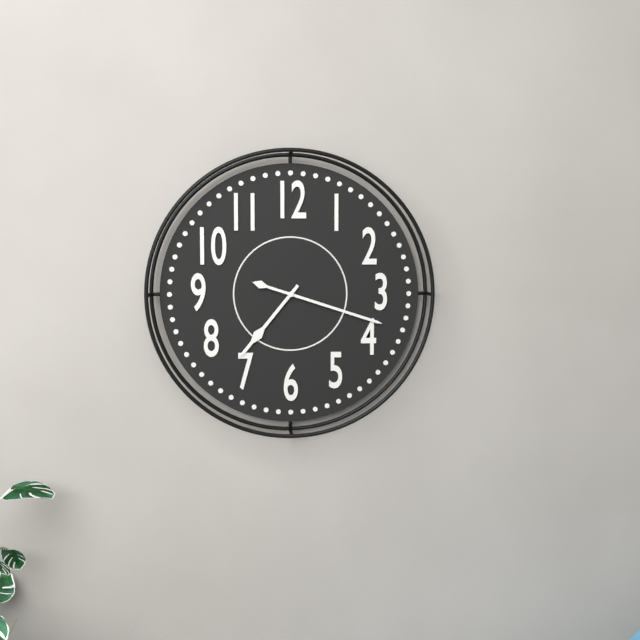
7:18
